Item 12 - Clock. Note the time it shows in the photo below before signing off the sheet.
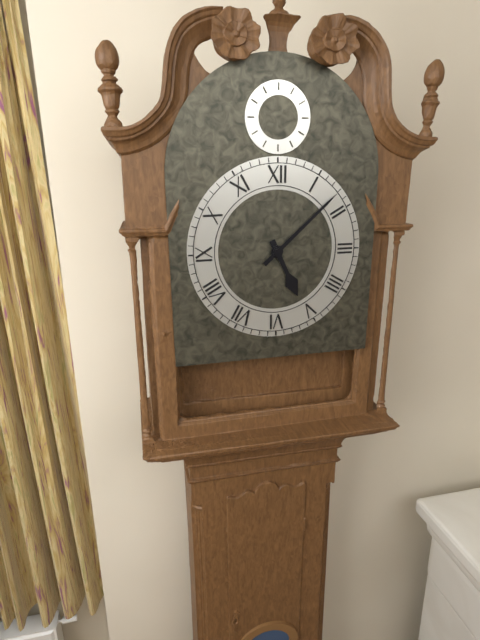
5:08
